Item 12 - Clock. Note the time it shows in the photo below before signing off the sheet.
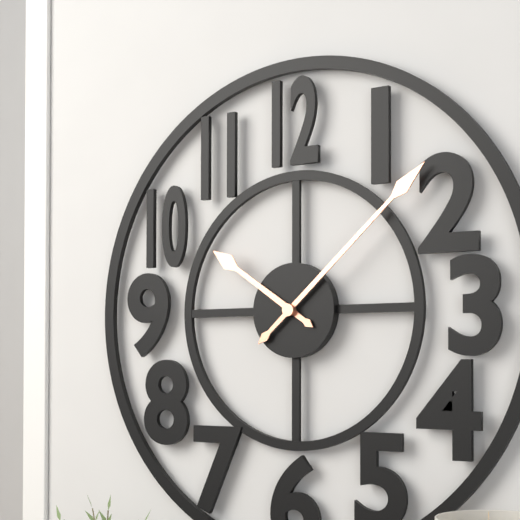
10:08
